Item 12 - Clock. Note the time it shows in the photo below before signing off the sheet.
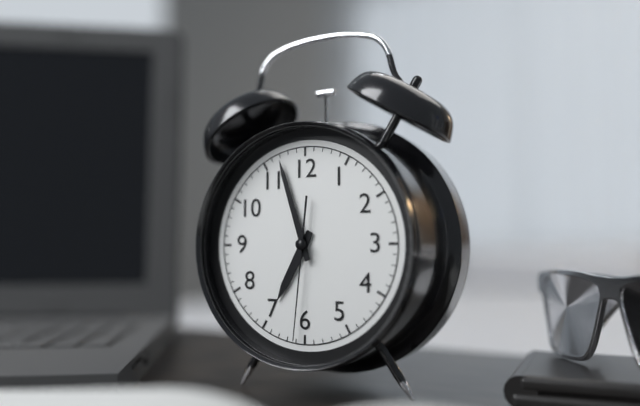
6:57:31
